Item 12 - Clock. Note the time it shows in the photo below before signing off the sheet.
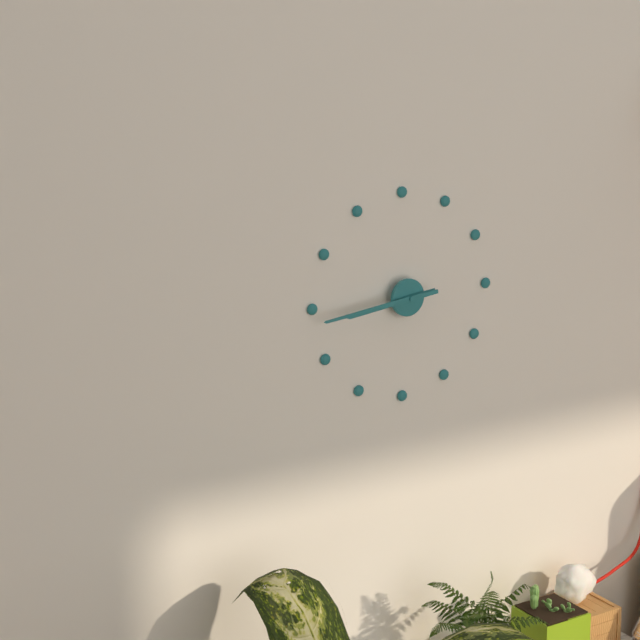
8:44
